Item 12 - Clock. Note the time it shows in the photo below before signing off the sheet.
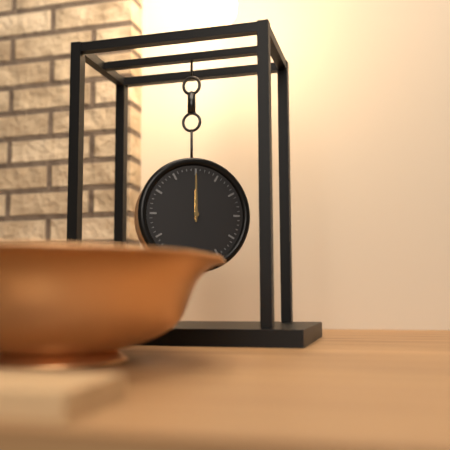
12:00
